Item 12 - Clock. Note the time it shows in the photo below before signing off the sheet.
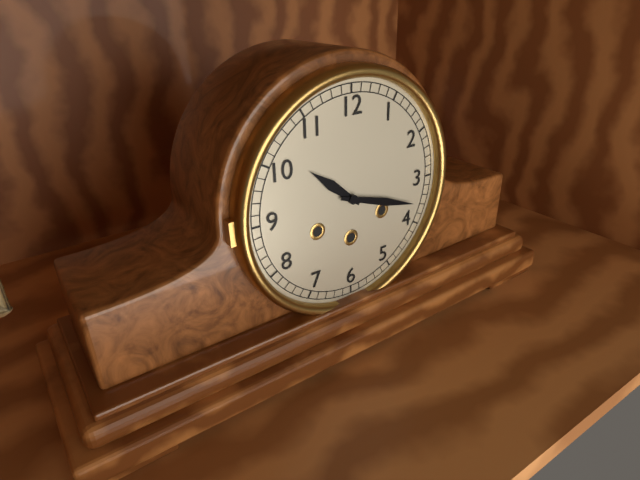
10:18
